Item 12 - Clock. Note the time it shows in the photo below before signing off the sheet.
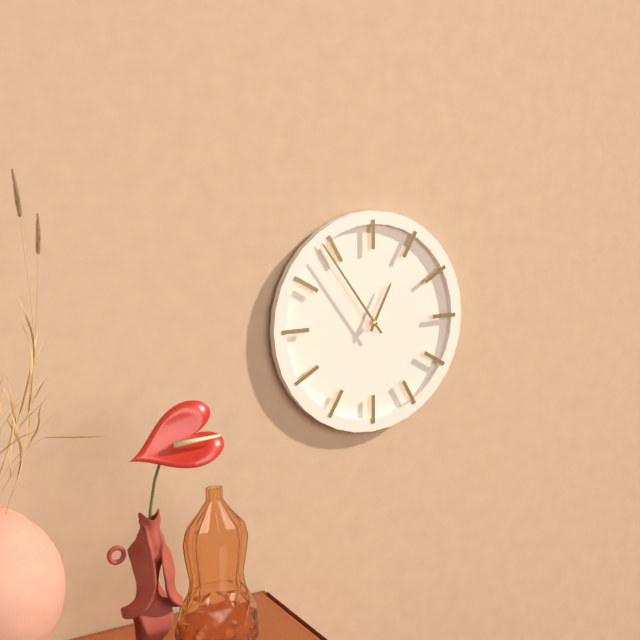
12:54
